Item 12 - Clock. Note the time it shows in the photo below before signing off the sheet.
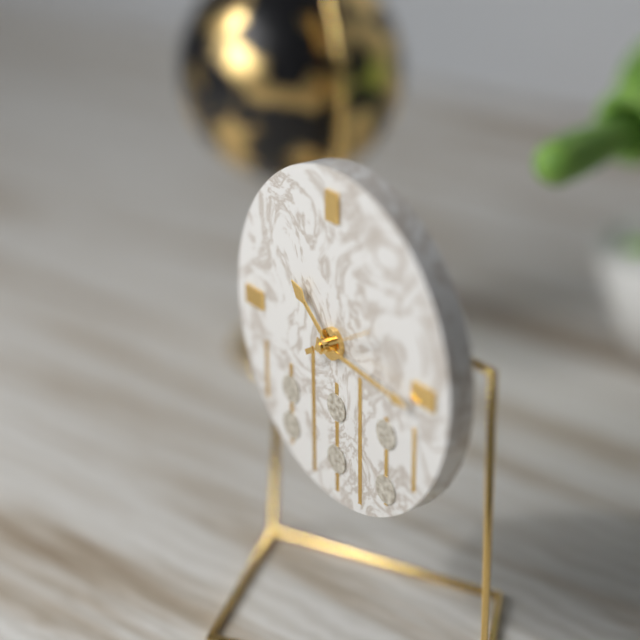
10:16
